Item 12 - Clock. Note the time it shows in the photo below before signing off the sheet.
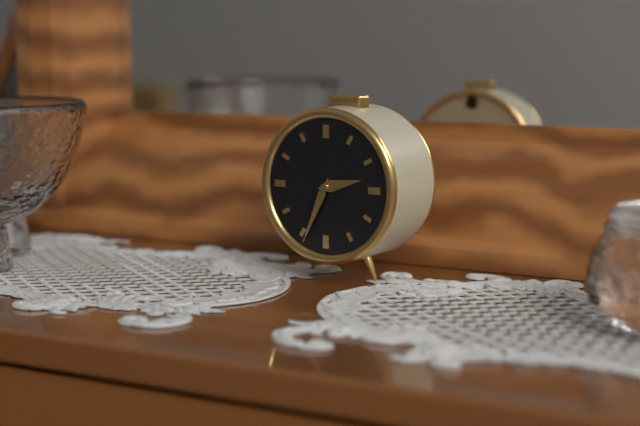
2:34
